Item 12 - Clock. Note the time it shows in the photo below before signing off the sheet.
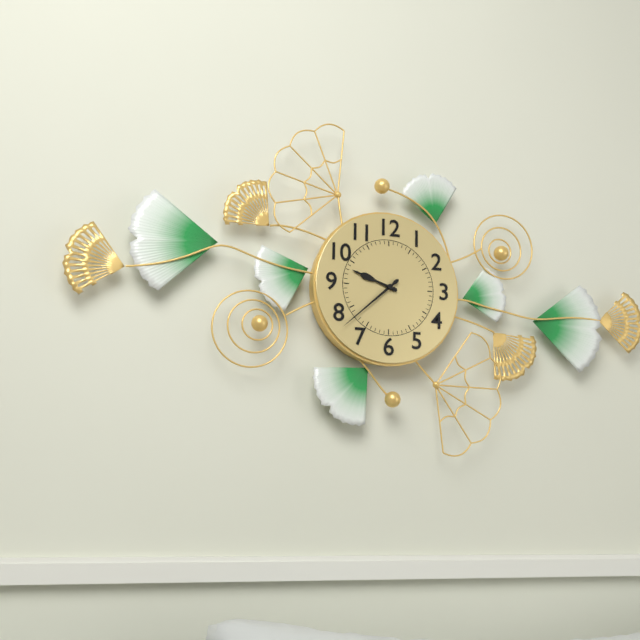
9:38
